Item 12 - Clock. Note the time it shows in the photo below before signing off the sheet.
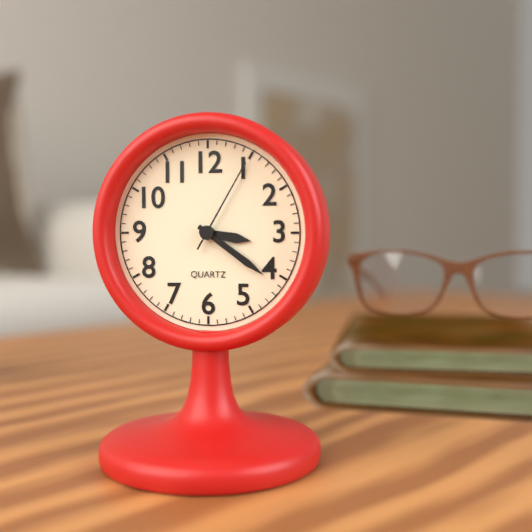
3:21:05
